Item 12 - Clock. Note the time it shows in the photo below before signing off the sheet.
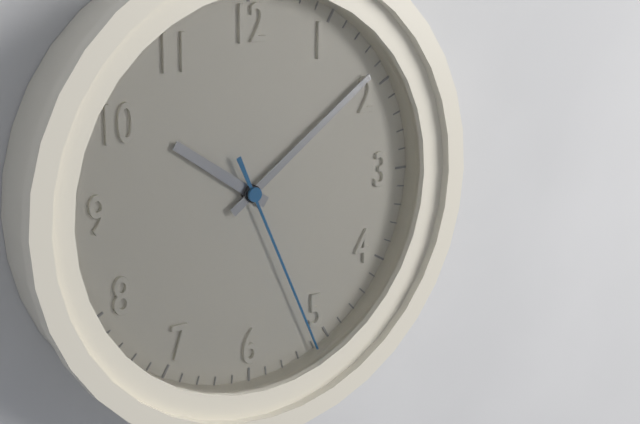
10:09:26
